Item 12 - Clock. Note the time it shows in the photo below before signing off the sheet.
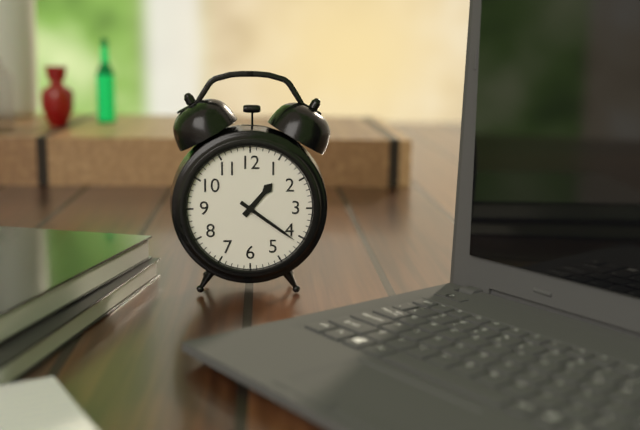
1:21
